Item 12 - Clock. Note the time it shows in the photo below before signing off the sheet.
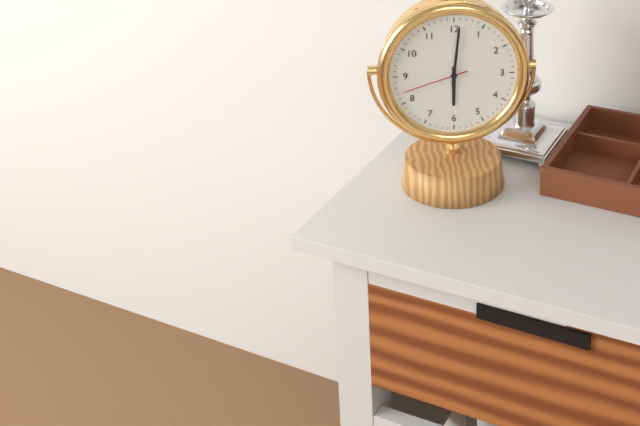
6:01:42
